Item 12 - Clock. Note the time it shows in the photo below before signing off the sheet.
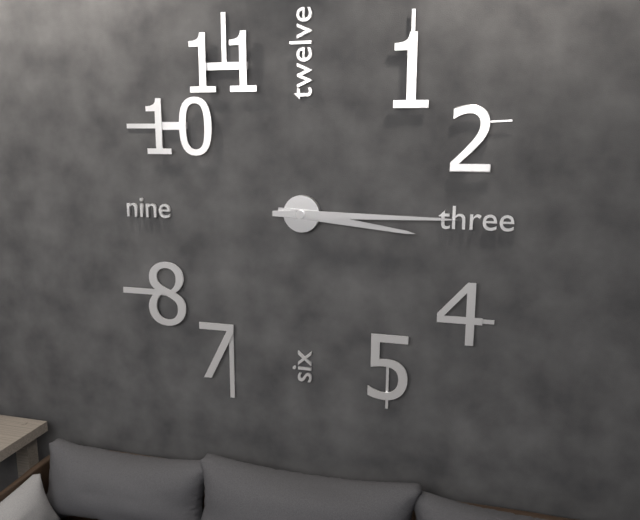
3:15
